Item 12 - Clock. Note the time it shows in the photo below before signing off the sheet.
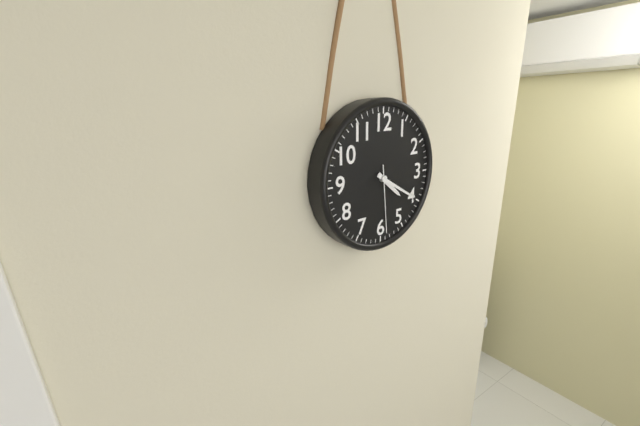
4:20:29
